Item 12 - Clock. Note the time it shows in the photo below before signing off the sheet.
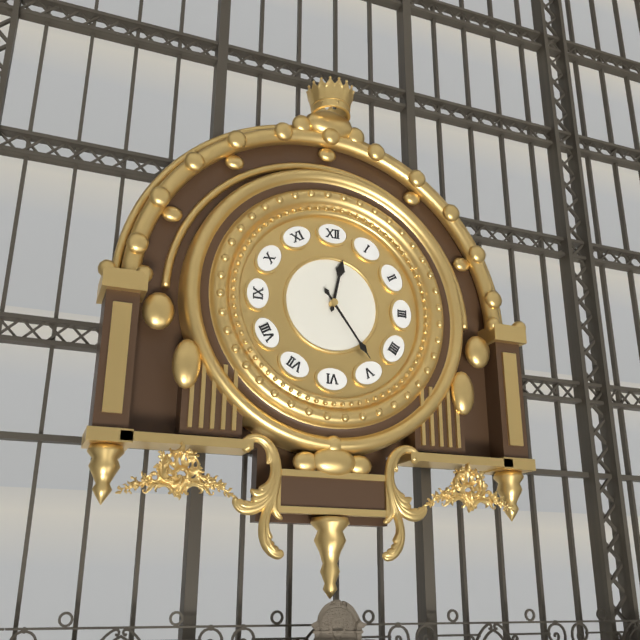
12:24
